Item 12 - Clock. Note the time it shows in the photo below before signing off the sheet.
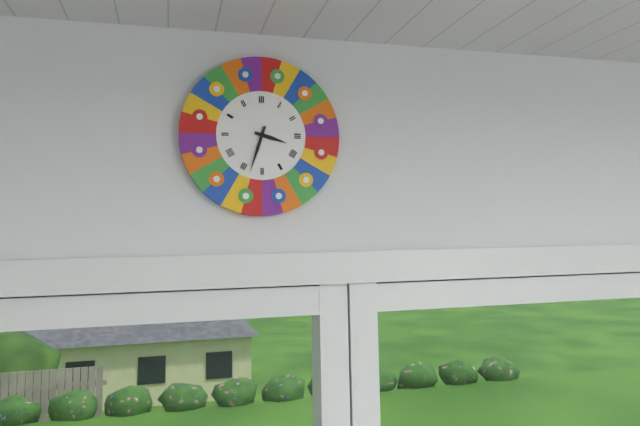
3:33
